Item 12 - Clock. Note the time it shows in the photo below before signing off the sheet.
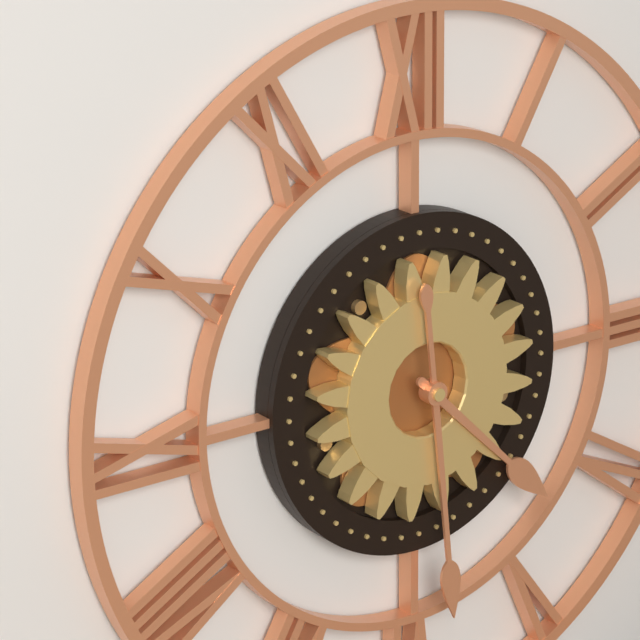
4:29
